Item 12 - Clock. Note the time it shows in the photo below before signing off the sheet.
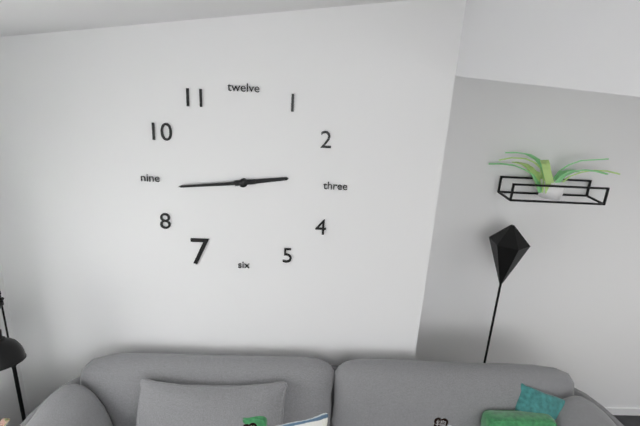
2:44
